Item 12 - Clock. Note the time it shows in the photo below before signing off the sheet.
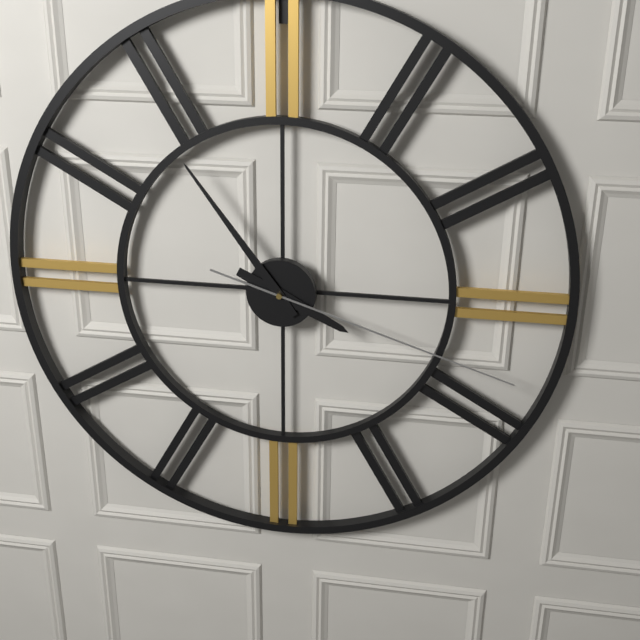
3:54:18
